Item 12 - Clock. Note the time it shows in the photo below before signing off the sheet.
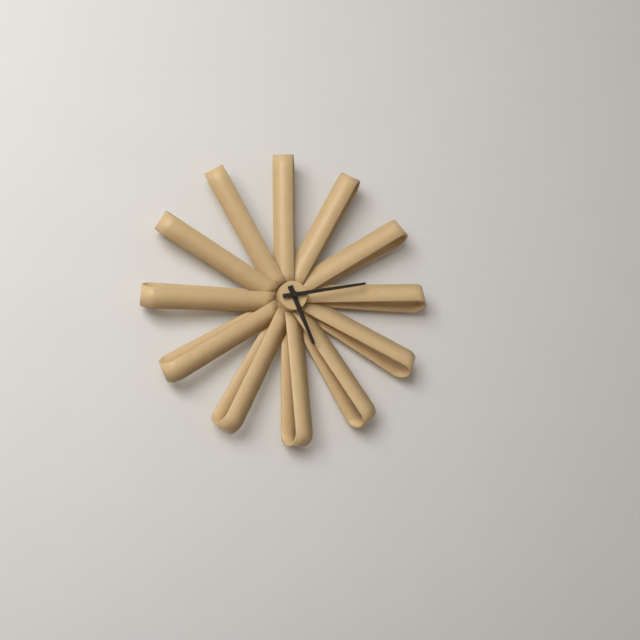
5:13
